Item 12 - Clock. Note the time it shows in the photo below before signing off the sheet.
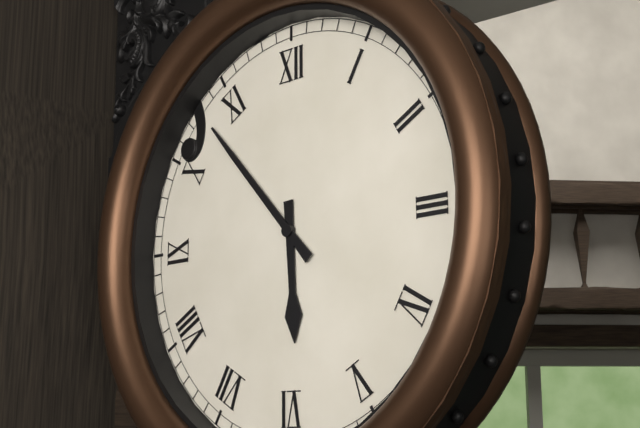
5:53
